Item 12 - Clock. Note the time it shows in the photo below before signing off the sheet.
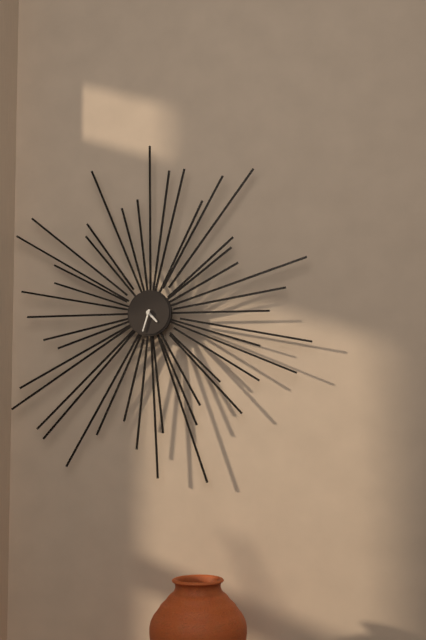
4:33
